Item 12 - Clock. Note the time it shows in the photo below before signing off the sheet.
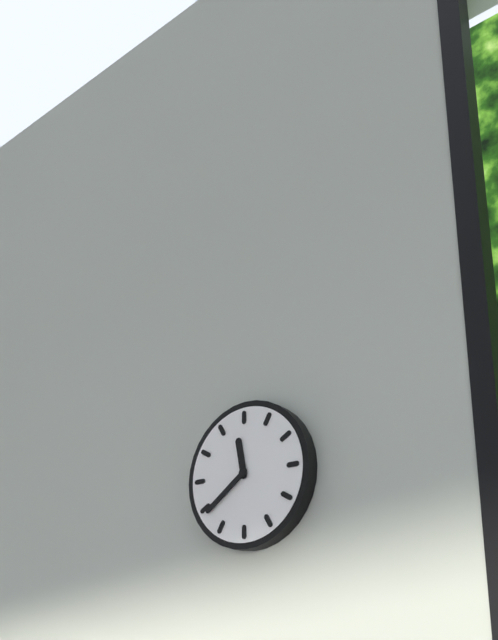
11:39
